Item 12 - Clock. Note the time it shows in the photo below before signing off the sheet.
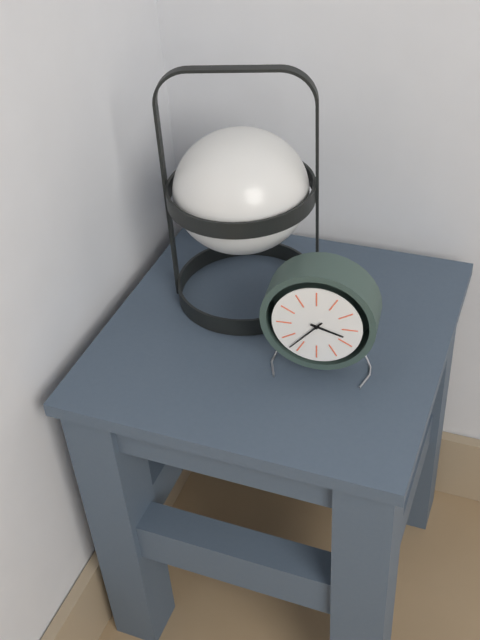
3:37
